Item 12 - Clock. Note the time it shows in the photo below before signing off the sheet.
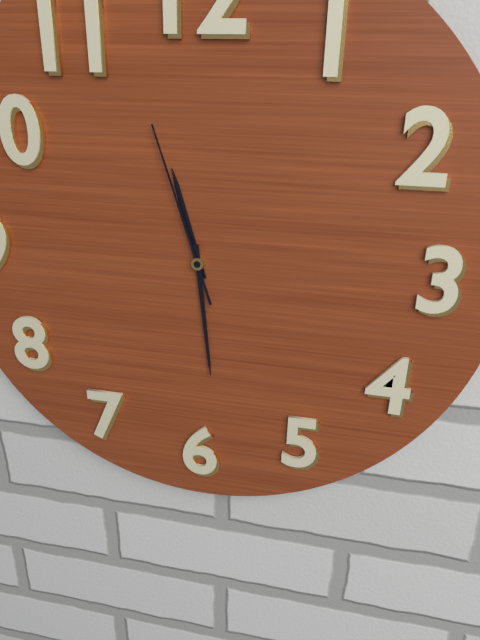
11:29:57
